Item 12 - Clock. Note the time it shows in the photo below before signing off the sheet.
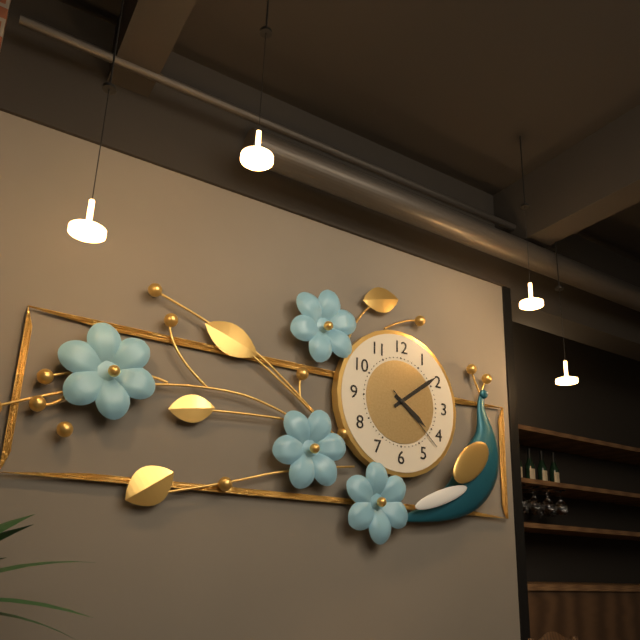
4:09:22
